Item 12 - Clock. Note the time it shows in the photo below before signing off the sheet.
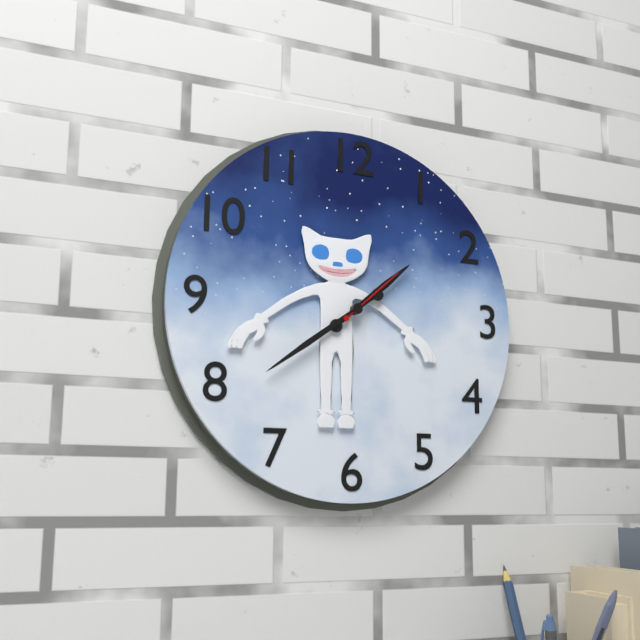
1:39:08
